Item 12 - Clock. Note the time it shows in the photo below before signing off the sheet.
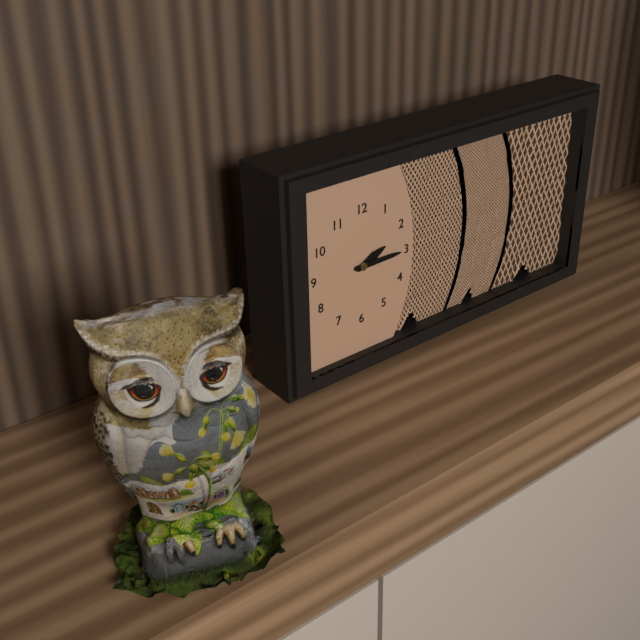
2:15
